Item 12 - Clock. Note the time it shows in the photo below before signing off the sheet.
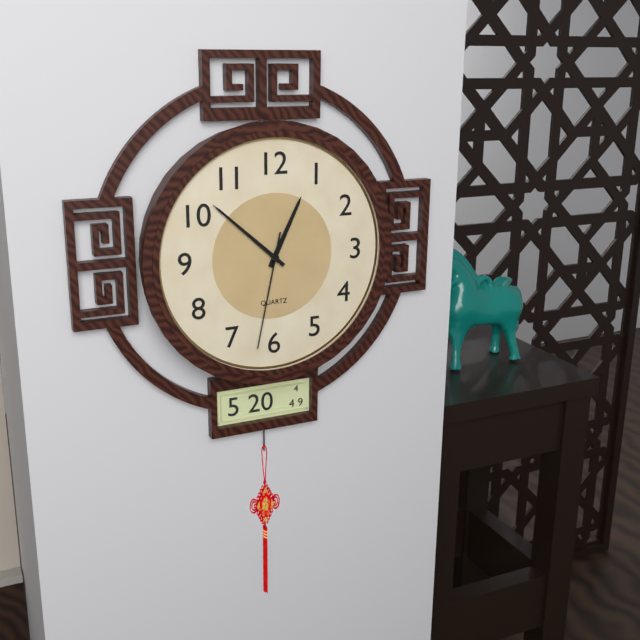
12:52:32
